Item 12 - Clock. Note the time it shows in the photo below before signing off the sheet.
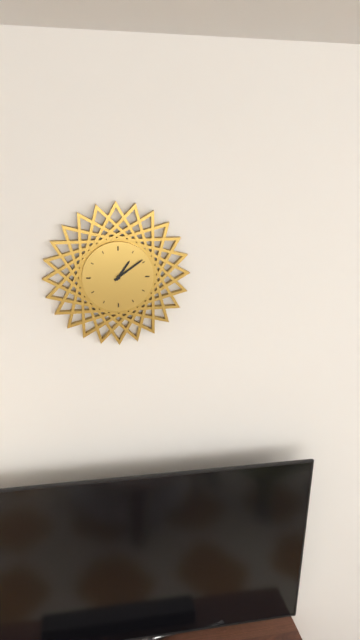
1:09
